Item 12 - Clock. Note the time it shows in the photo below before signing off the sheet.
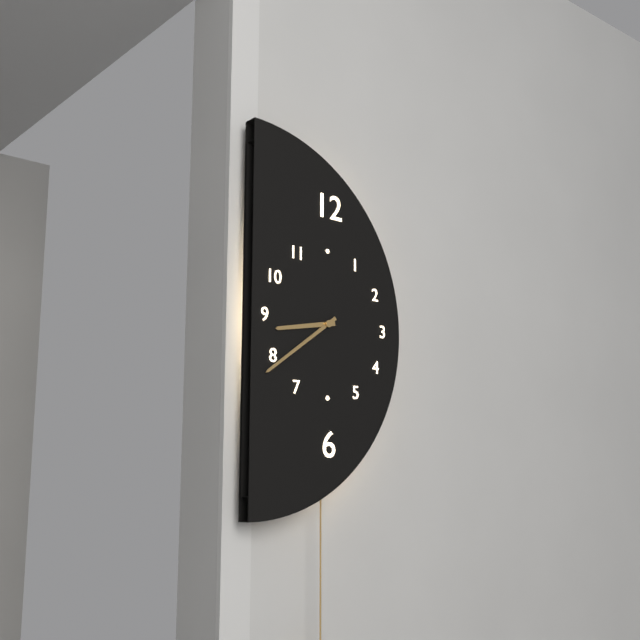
8:39
